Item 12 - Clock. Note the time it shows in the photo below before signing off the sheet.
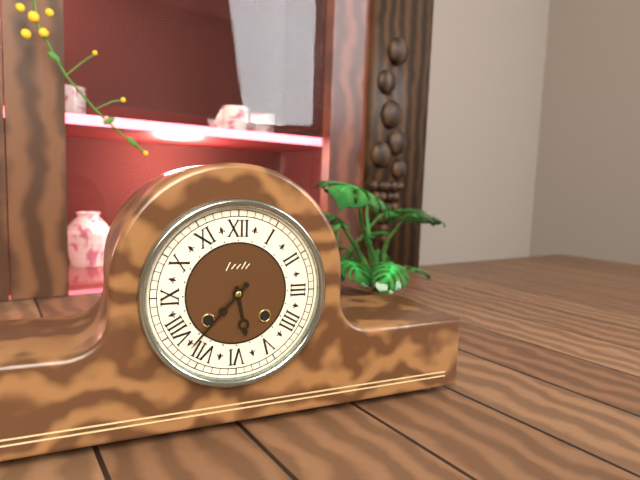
5:37
